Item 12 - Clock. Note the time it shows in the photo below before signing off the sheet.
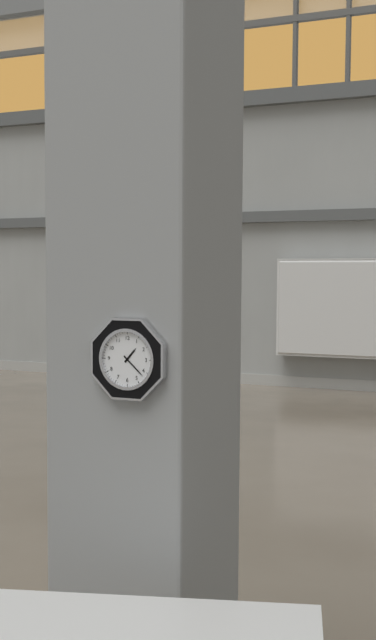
1:22
